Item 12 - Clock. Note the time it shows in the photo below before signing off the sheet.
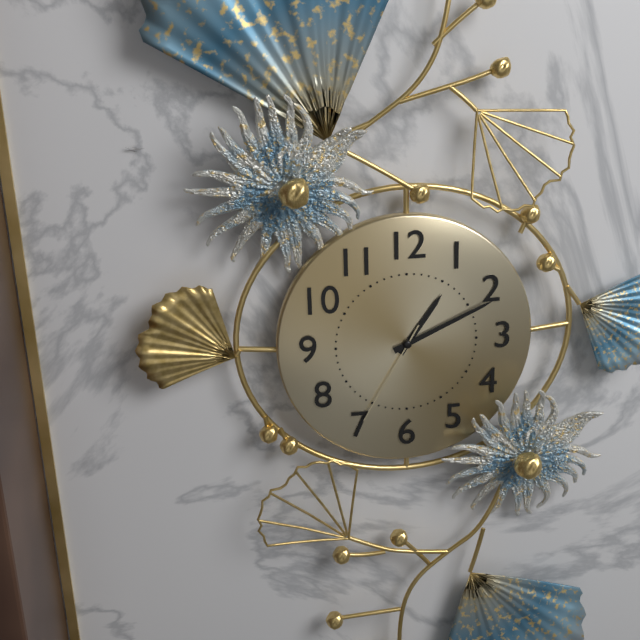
1:11:35
